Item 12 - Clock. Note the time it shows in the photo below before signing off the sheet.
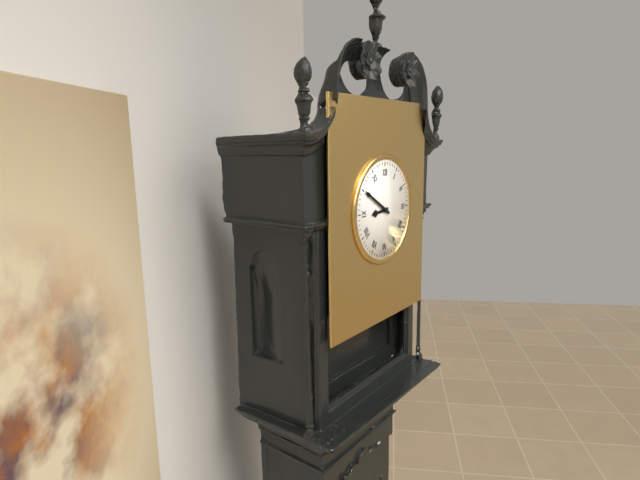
8:50
